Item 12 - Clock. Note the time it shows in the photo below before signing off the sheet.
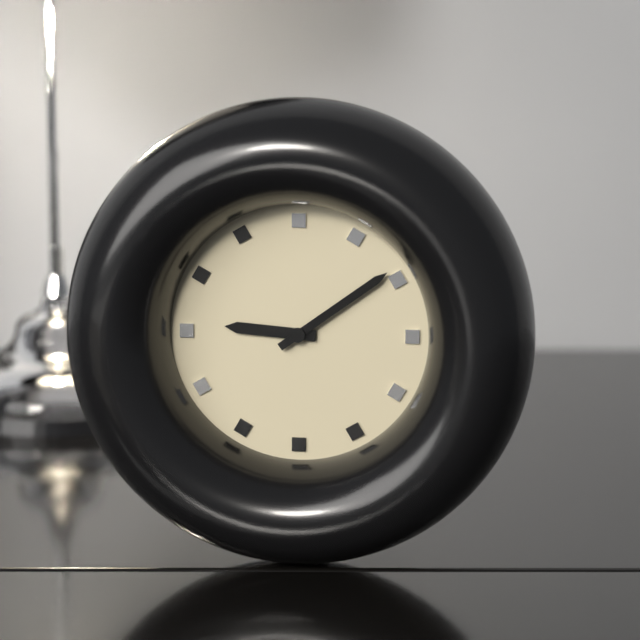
9:09
